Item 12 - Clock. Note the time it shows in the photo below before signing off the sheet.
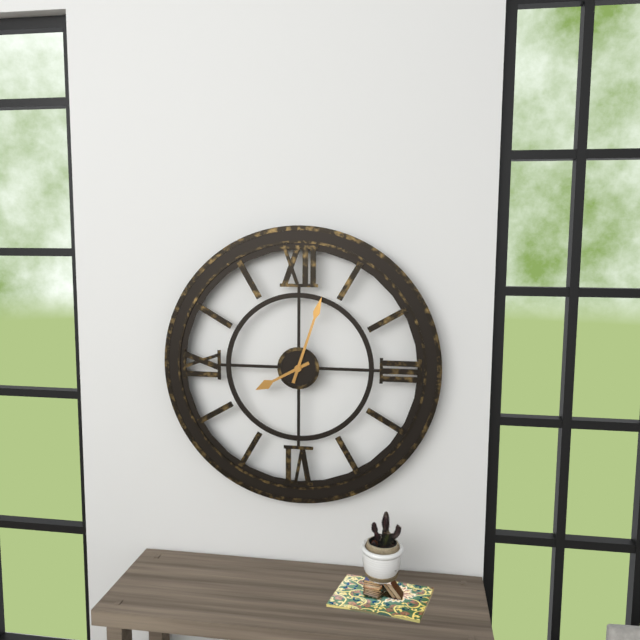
8:03
